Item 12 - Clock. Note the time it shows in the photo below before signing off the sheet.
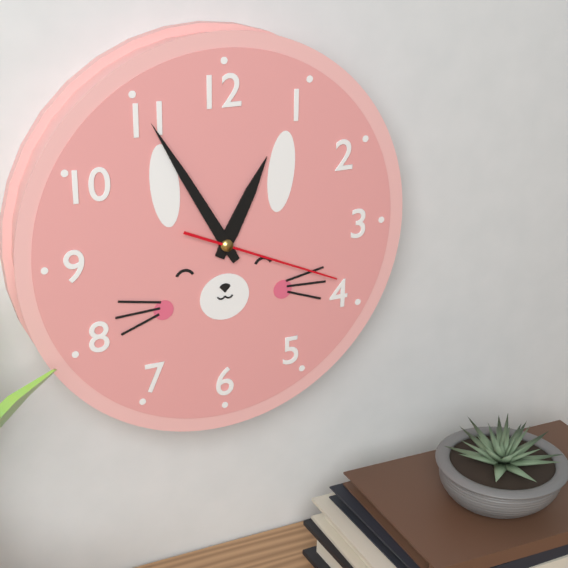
12:55:19
